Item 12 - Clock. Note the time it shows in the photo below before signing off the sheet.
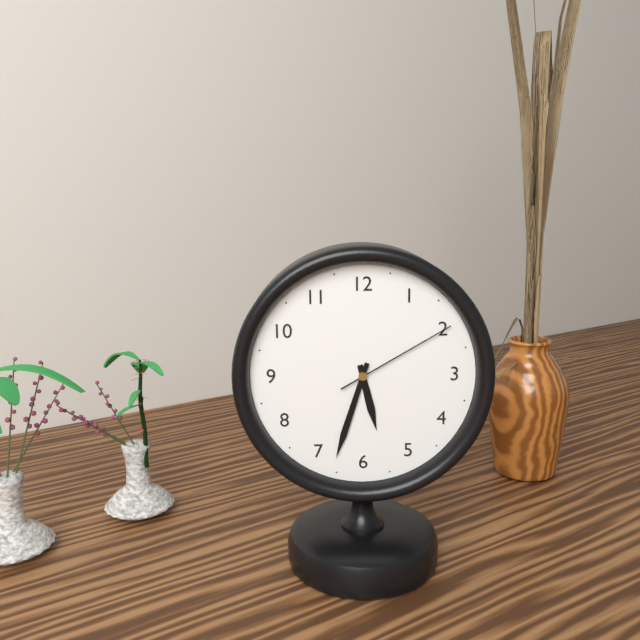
5:33:10
